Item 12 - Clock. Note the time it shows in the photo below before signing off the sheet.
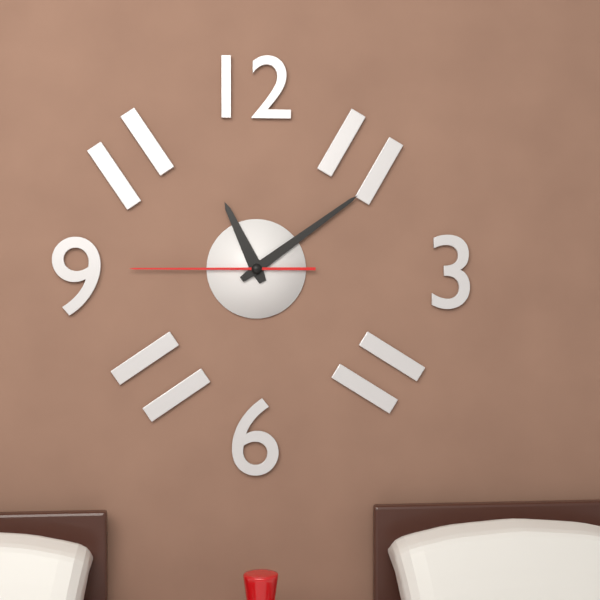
11:09:45
